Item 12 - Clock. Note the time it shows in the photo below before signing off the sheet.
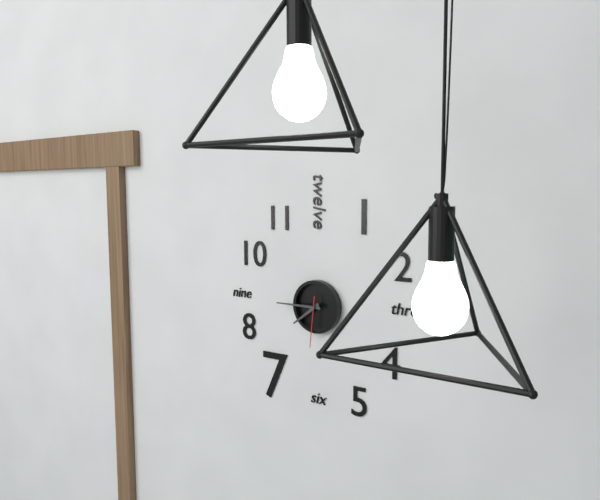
7:45:31
